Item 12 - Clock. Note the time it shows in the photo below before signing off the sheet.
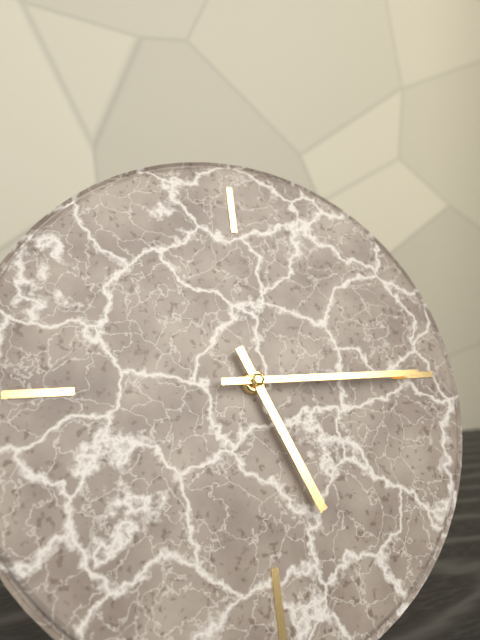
5:15
